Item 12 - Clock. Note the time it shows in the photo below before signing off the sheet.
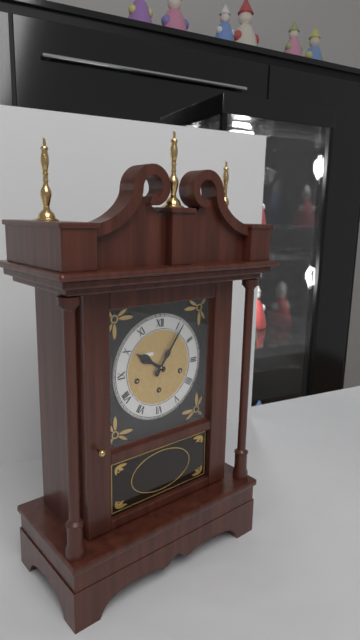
10:06
